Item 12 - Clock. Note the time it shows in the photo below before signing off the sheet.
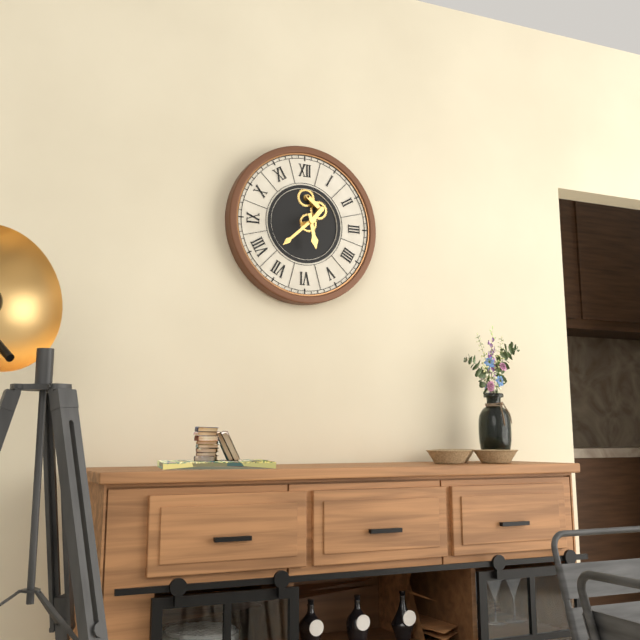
5:38
